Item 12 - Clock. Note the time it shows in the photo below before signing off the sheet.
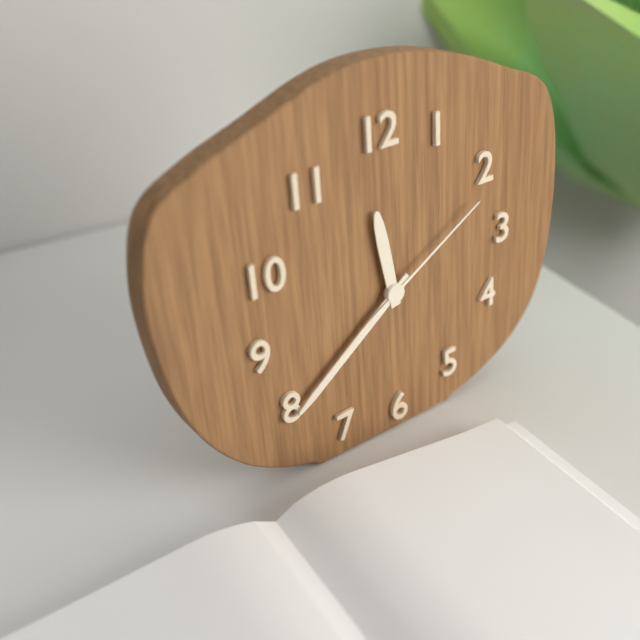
11:39:10
